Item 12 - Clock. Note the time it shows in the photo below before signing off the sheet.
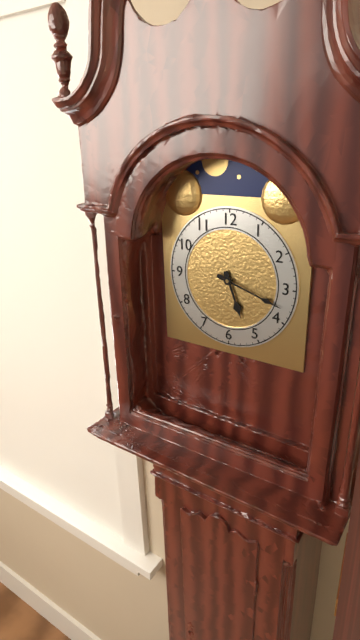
5:18
